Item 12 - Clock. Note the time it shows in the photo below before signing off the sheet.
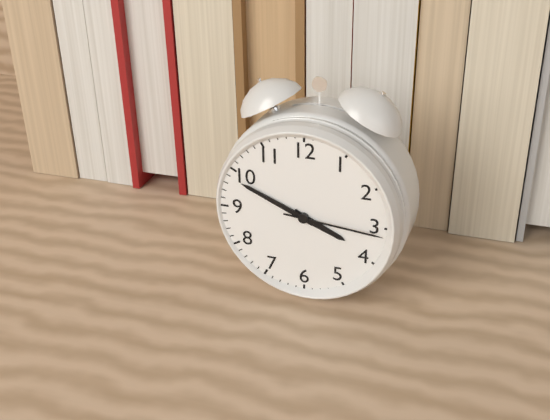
3:49:16
